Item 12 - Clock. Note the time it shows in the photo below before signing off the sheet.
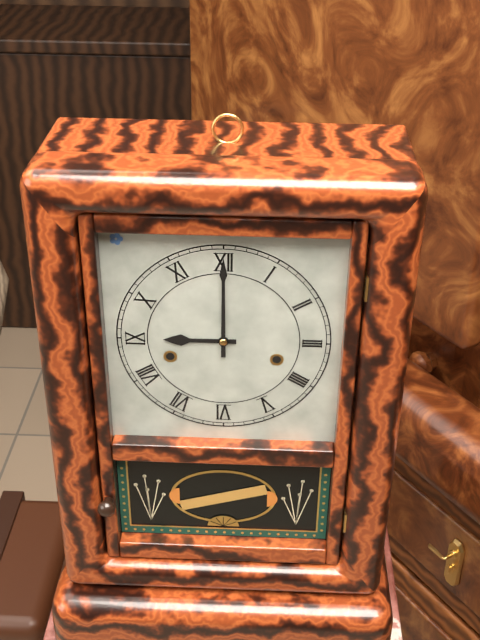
9:00
